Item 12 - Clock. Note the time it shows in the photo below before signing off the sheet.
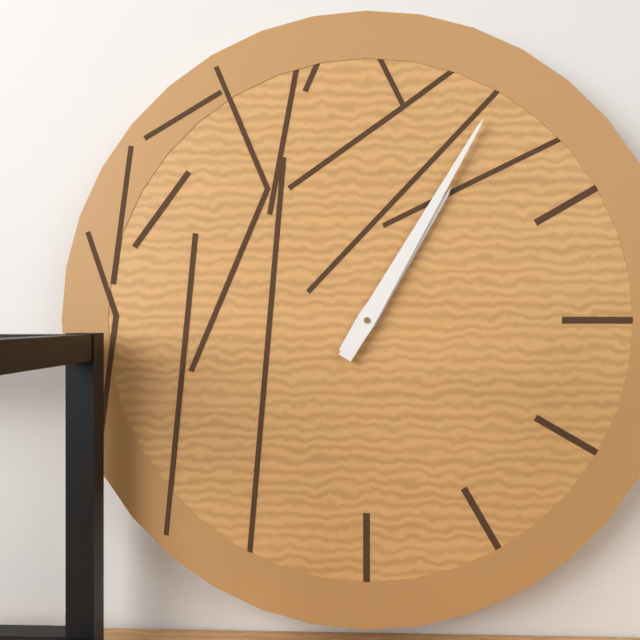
1:05
